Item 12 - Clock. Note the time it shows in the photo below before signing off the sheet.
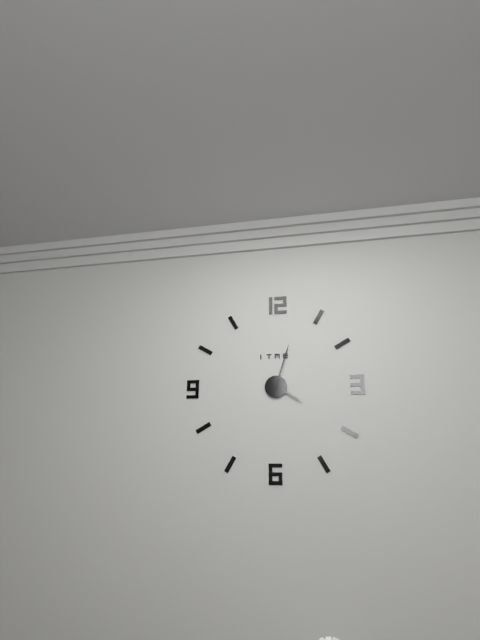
4:03
